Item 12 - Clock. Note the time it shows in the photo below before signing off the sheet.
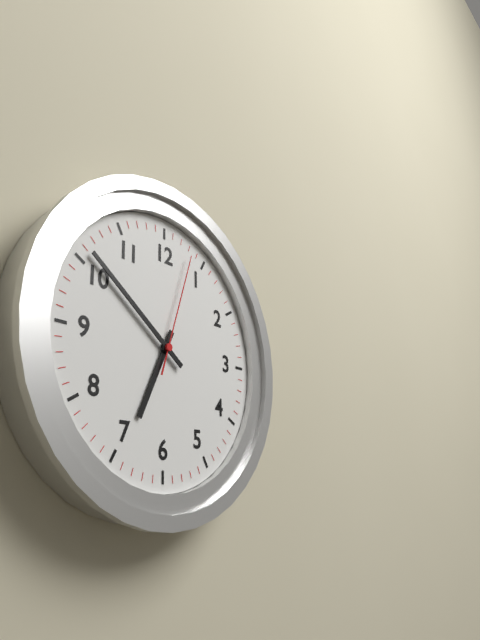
6:51:03
